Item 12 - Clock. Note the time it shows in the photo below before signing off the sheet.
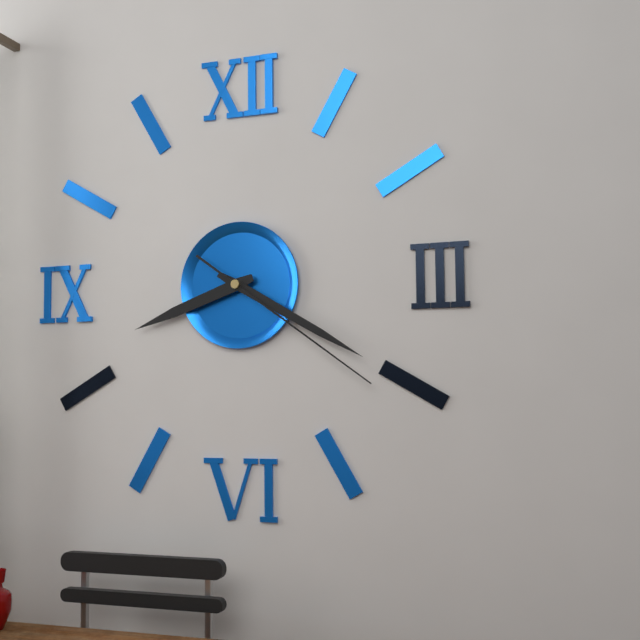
8:20:21
